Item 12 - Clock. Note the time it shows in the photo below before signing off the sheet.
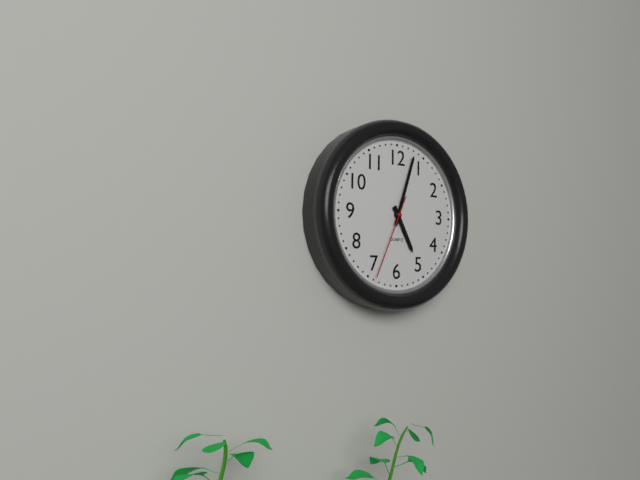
5:03:34
